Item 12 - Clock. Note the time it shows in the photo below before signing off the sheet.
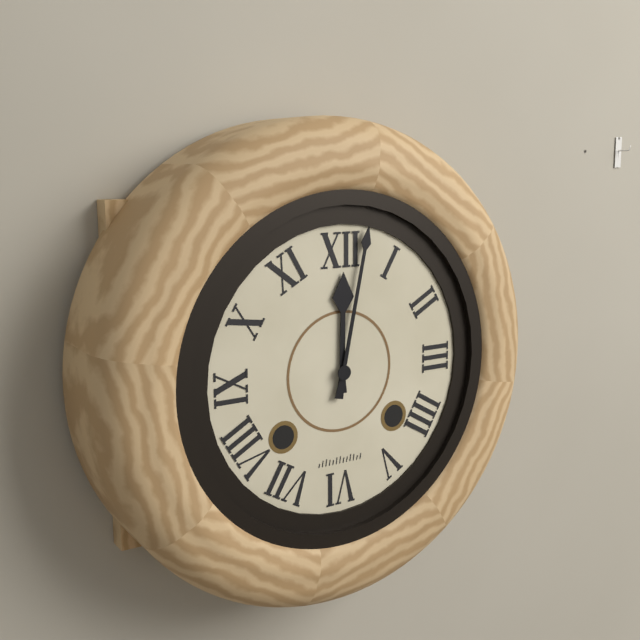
12:02
